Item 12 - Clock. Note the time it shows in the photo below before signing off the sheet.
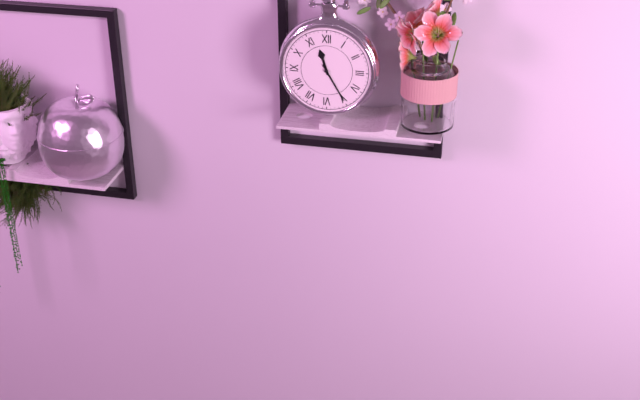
11:25
